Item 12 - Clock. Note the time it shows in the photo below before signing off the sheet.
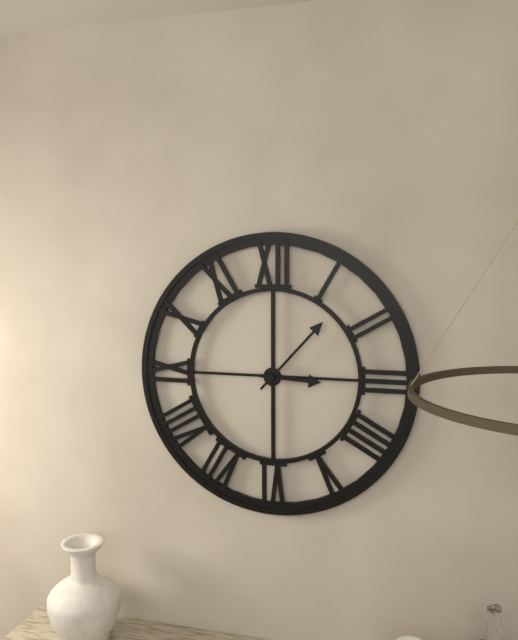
3:07
